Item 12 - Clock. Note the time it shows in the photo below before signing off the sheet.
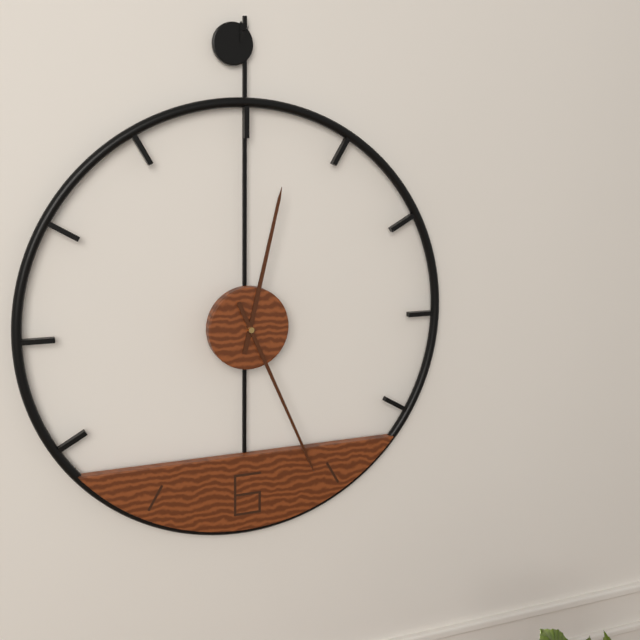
12:26
